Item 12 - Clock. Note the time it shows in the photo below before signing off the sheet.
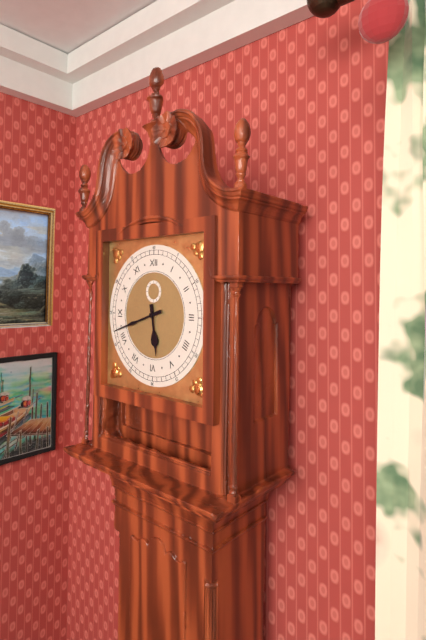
5:42
